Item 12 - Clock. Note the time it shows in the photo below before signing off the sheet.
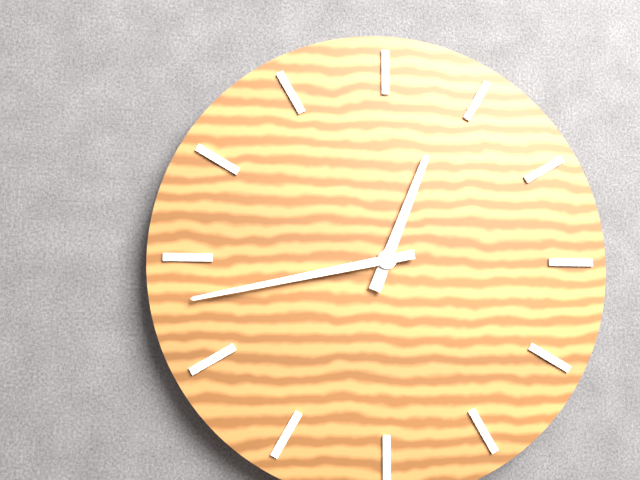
12:43
